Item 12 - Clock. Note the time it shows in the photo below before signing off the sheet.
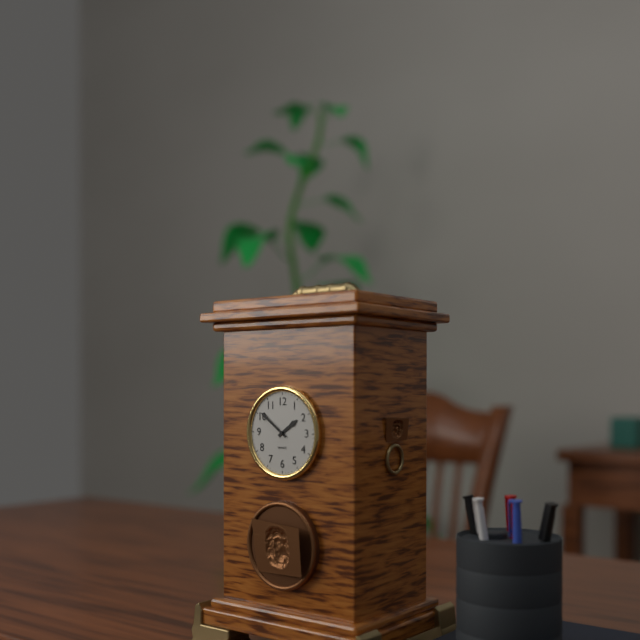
1:51
